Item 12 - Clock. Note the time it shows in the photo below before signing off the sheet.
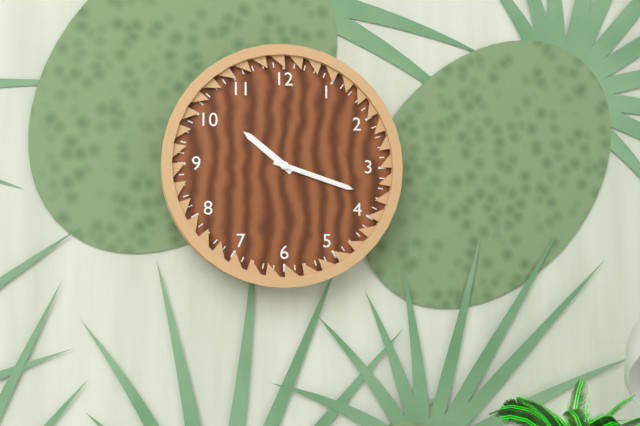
10:18
